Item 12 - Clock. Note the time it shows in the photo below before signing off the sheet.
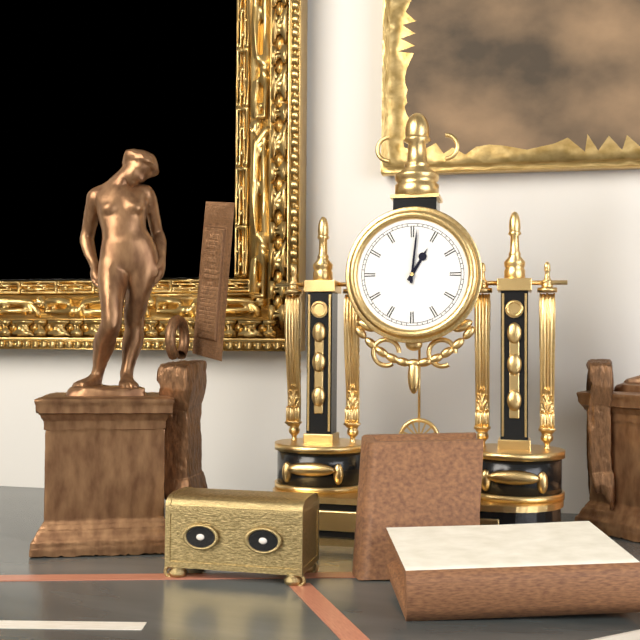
1:01
